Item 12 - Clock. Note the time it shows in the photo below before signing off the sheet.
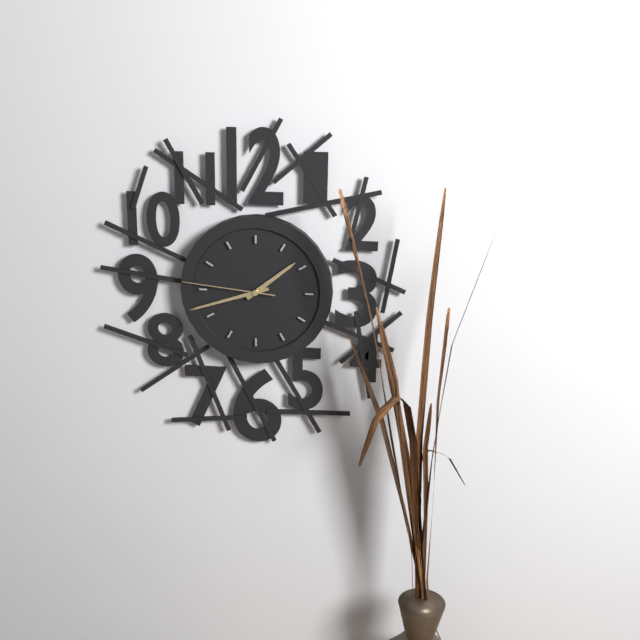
1:42:46
